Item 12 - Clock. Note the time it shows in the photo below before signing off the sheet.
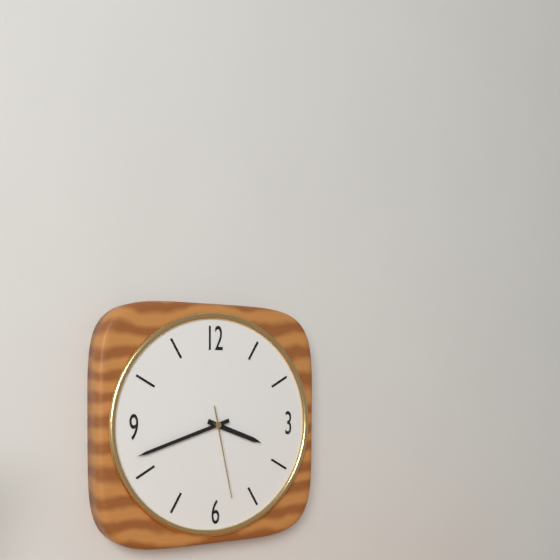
3:42:28
